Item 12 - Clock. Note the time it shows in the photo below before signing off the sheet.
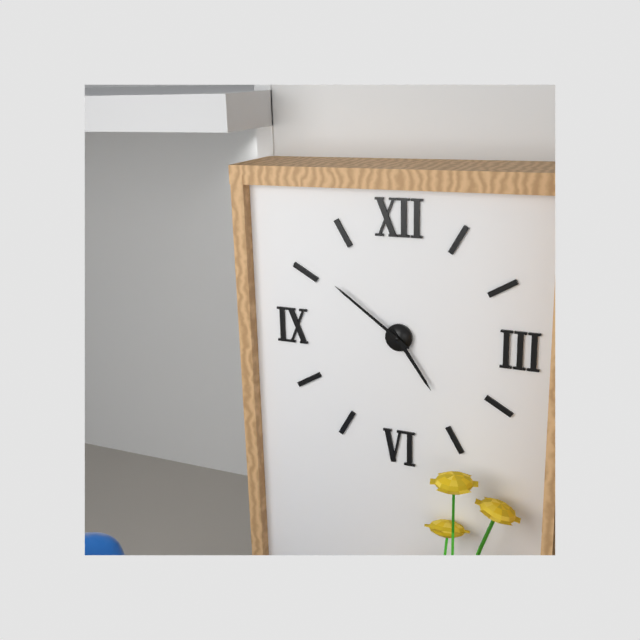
4:51
